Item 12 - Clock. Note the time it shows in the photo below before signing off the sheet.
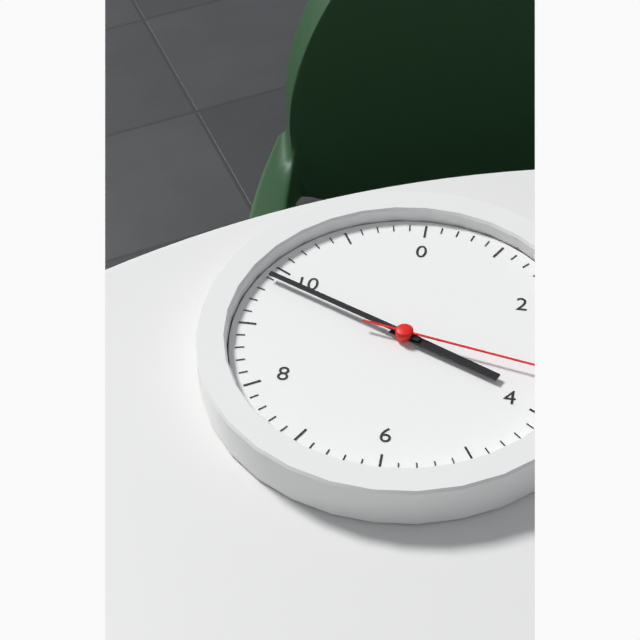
3:49:17
